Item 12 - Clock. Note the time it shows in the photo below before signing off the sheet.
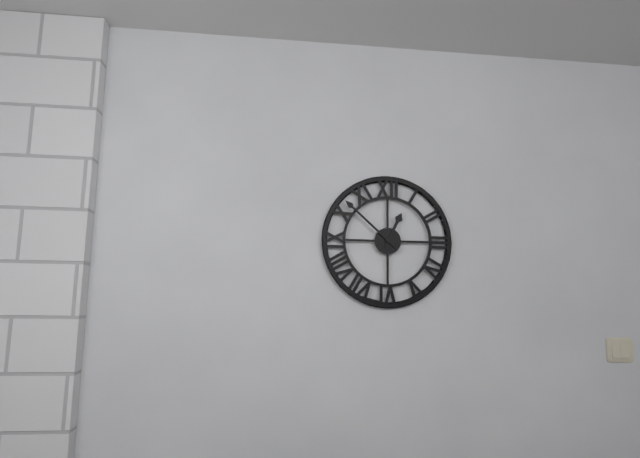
12:52
